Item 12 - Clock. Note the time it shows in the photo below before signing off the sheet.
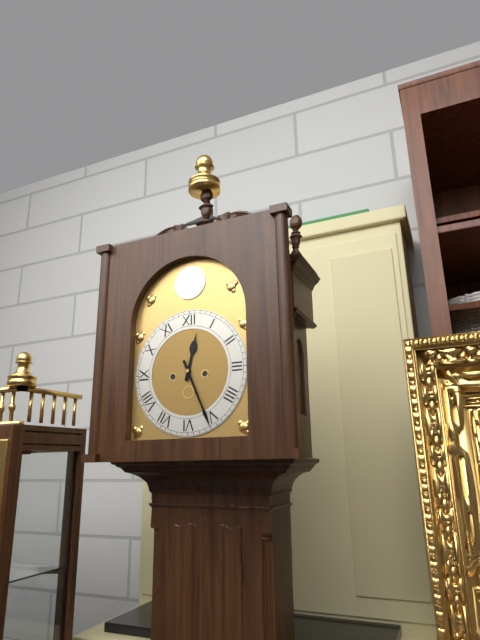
12:26
